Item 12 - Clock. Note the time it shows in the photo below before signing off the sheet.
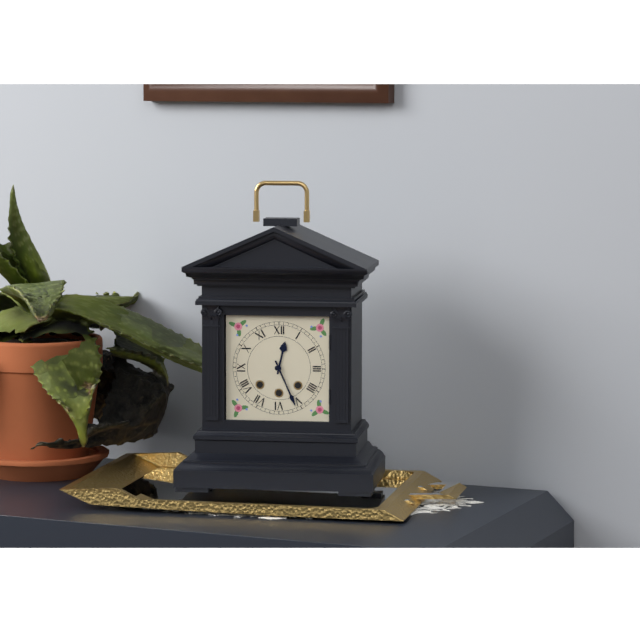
12:26
